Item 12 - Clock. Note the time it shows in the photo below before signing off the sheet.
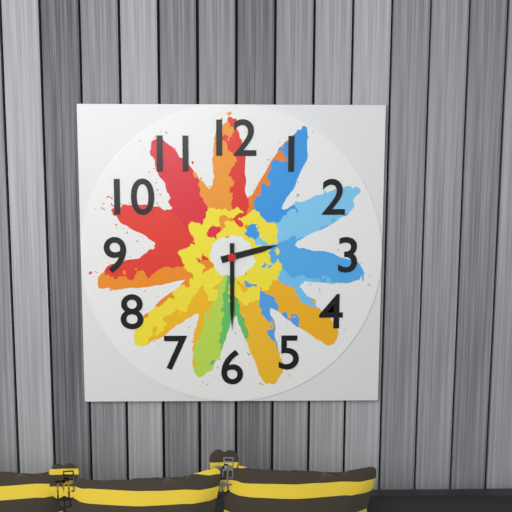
2:30
